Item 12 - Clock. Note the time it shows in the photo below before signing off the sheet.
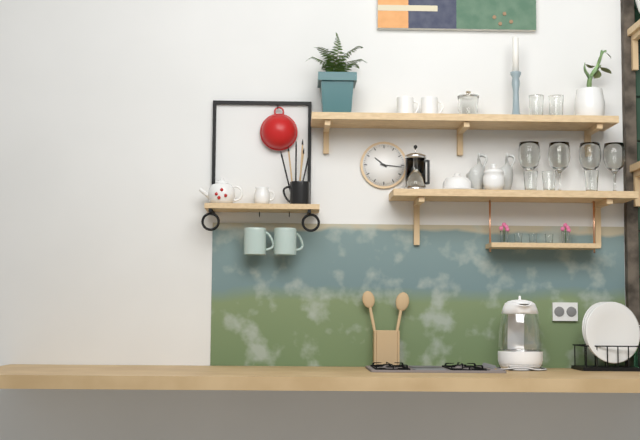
10:16
